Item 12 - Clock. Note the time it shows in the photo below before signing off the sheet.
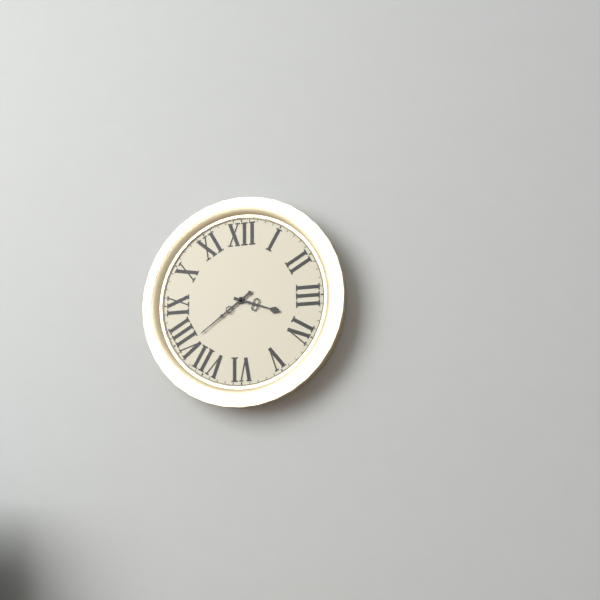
3:39
